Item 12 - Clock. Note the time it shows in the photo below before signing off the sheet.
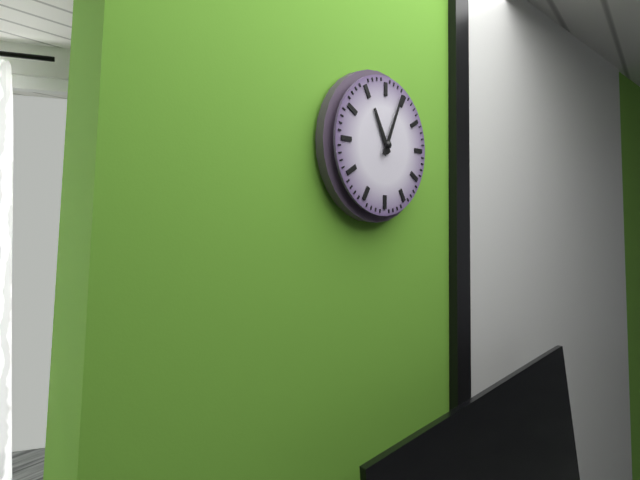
11:04
